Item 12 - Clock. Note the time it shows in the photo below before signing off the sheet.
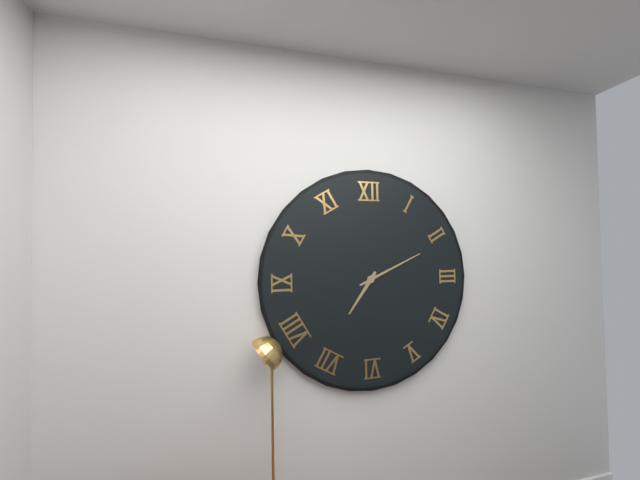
7:11
